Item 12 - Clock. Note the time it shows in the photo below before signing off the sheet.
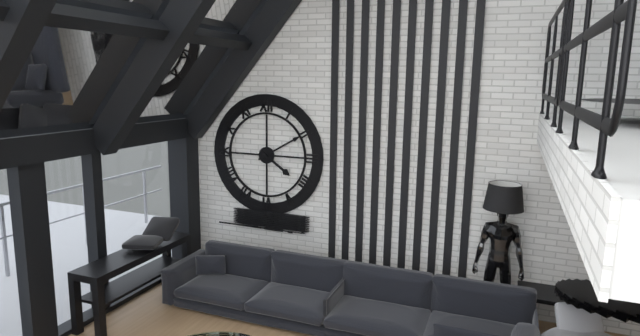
4:10
